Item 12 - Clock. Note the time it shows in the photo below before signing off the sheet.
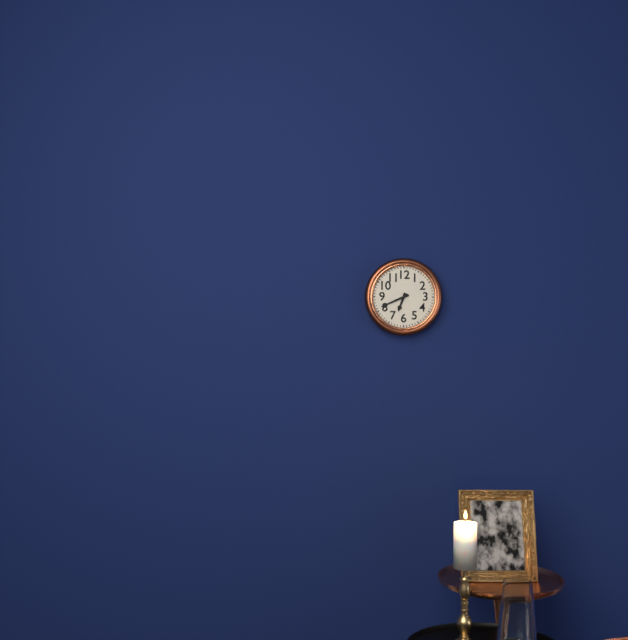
6:41
